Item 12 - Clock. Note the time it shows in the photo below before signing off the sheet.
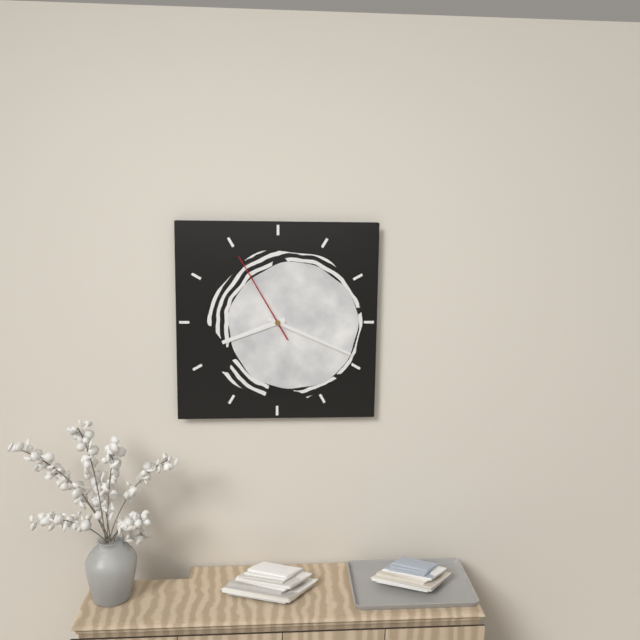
8:19:55
